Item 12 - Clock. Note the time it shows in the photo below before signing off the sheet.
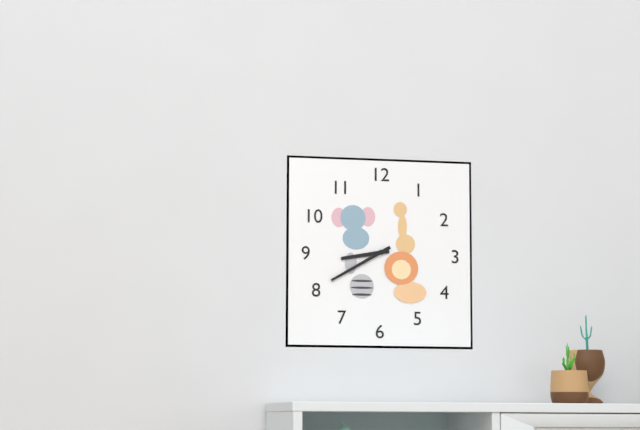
8:40
